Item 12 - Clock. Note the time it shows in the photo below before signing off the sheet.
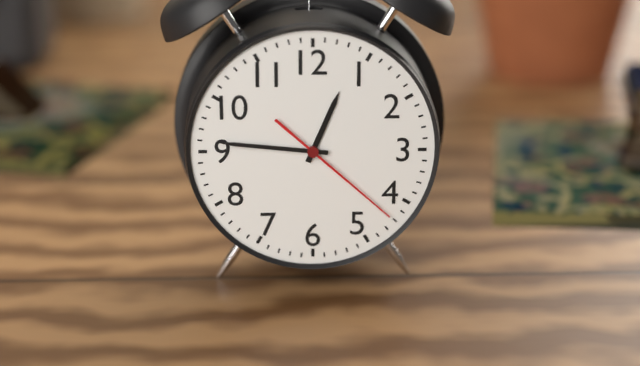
12:46:22
